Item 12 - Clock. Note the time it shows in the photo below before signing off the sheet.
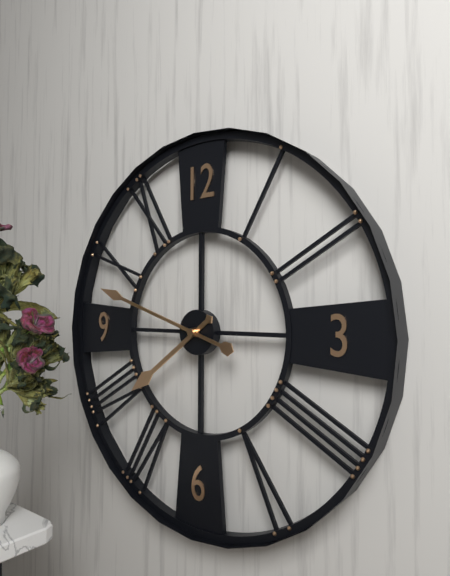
7:48
